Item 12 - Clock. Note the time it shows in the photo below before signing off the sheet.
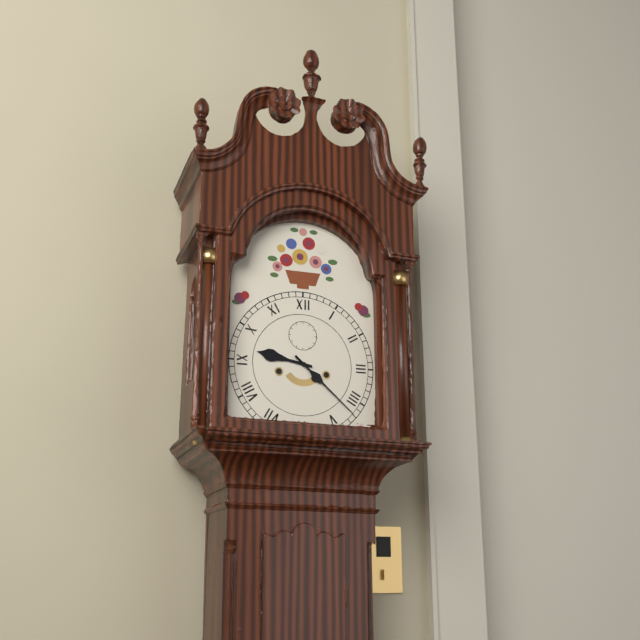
9:22
